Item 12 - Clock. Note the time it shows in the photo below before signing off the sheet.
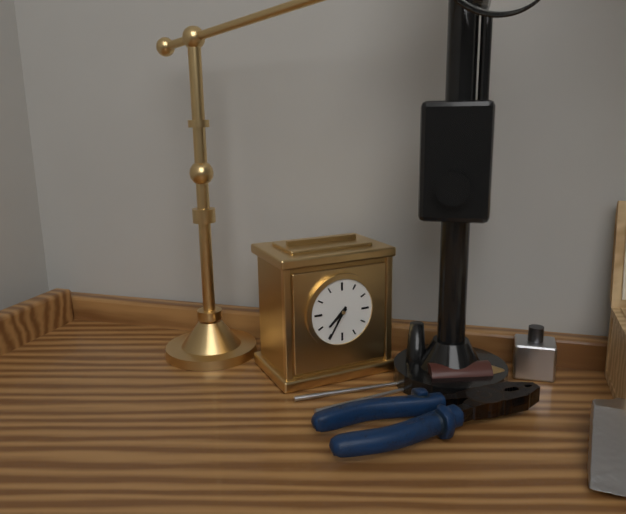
7:35
